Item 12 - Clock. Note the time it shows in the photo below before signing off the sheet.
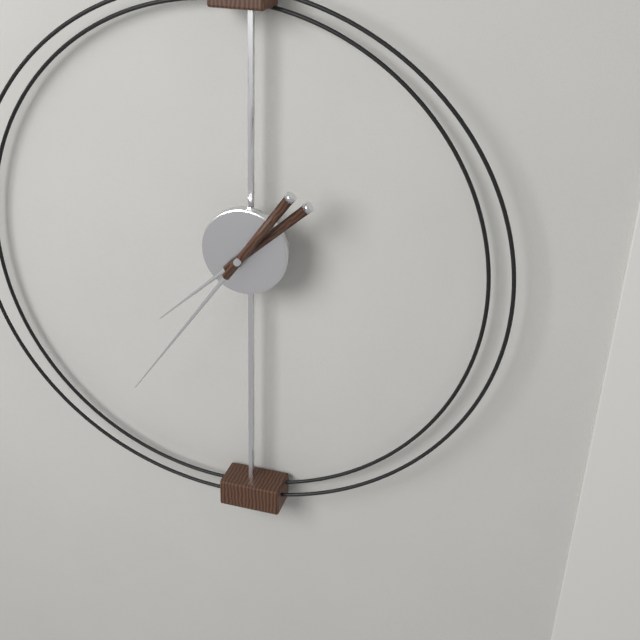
7:36
